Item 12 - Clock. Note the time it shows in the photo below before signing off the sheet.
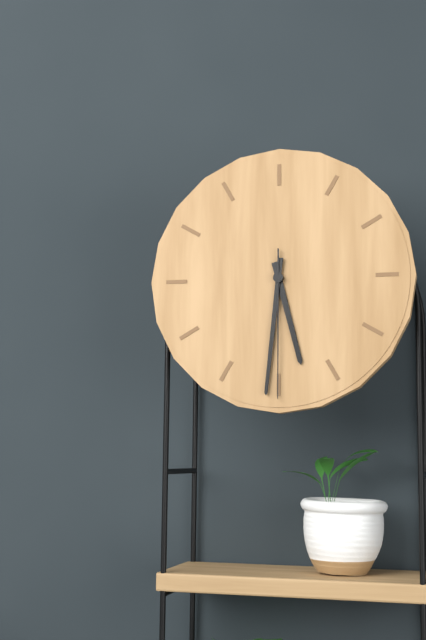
5:31:30
